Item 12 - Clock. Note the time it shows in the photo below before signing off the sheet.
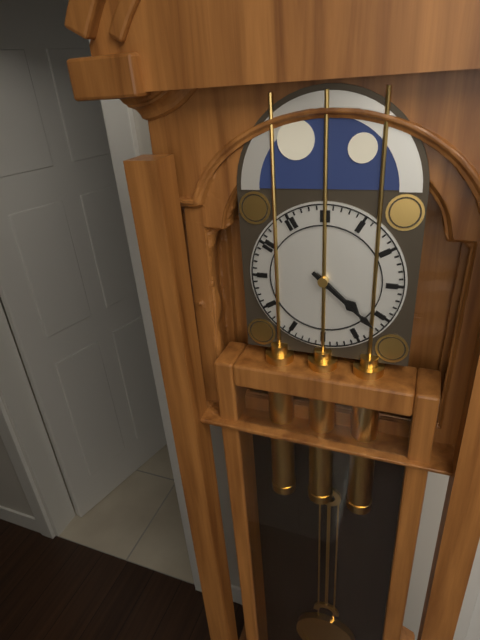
4:22
